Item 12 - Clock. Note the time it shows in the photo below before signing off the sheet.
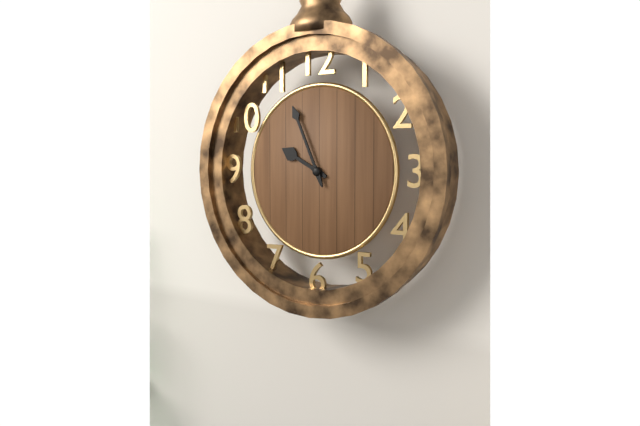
9:56
